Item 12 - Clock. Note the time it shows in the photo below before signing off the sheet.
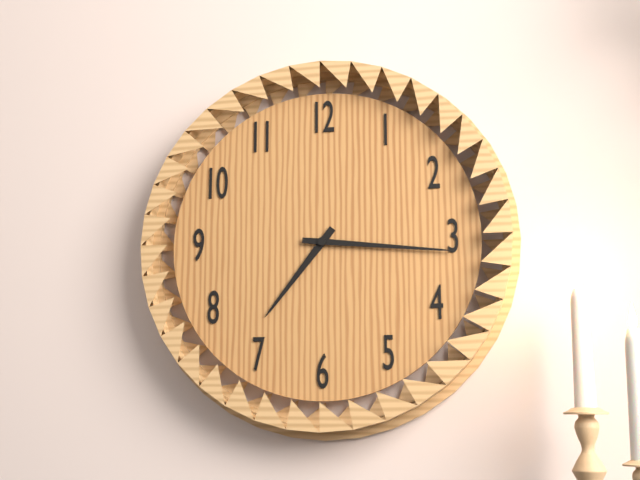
7:16
